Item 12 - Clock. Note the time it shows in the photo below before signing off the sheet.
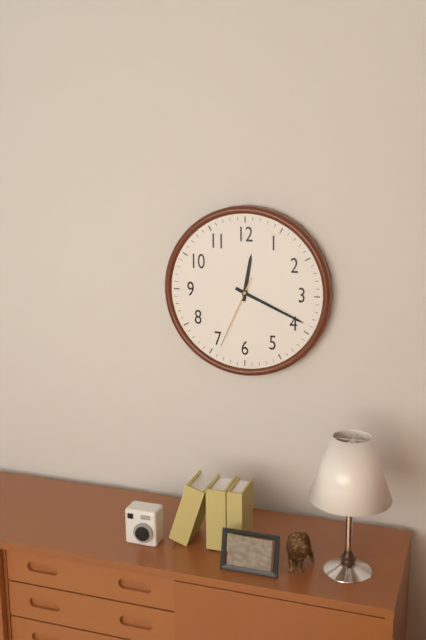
12:19:34
